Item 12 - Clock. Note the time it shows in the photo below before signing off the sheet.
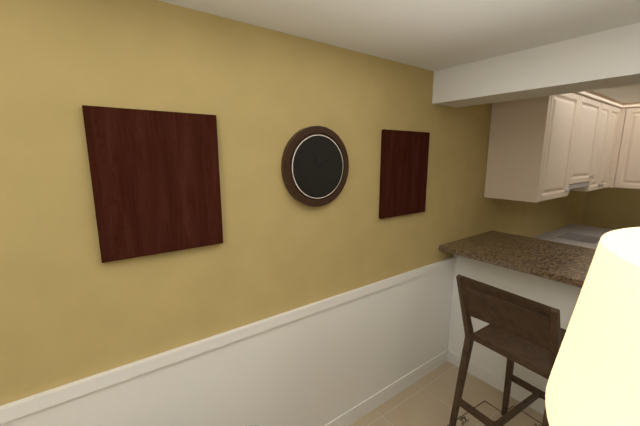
11:10
